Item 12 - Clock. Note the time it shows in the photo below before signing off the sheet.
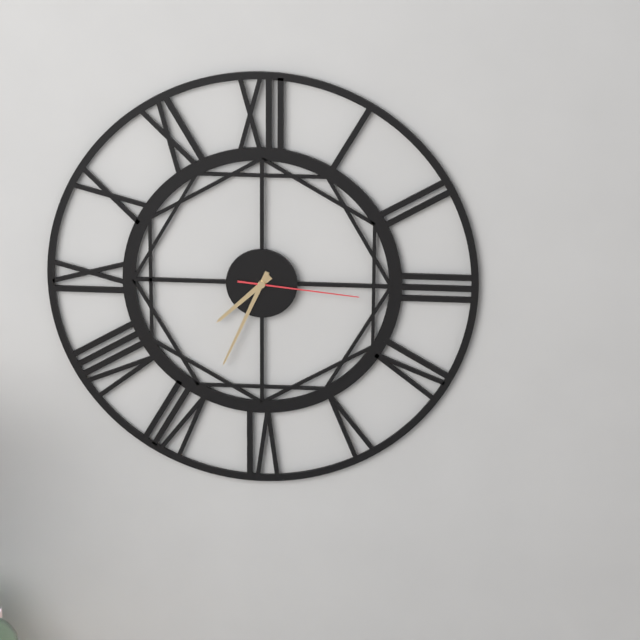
7:34:16
